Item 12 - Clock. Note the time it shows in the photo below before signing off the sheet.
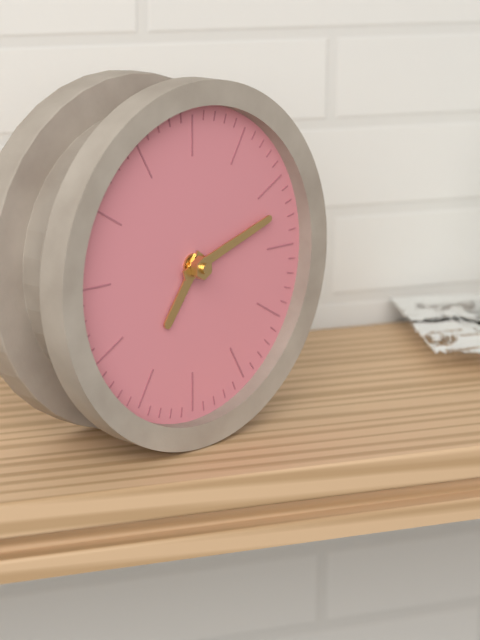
7:12
